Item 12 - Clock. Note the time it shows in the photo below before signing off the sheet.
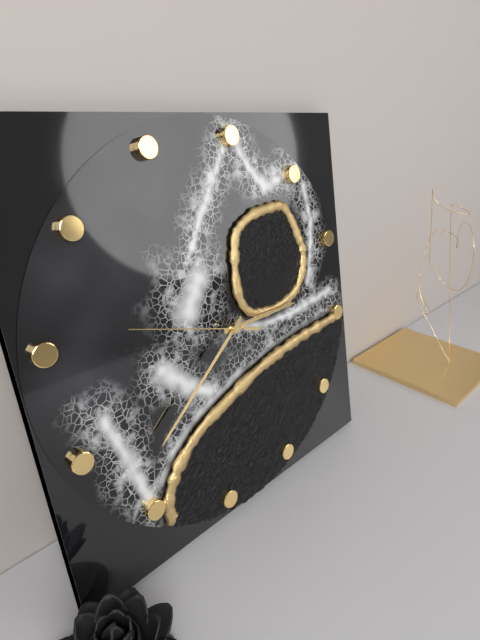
2:37:46
